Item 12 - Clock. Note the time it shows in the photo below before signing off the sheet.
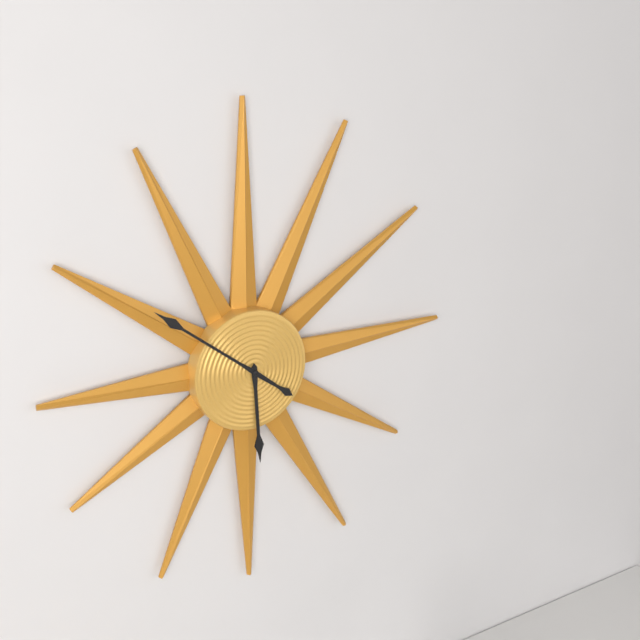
5:51
